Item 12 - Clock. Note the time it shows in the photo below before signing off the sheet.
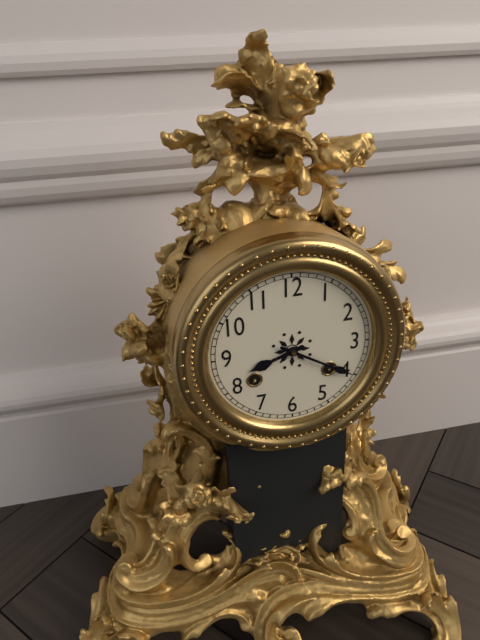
8:20
